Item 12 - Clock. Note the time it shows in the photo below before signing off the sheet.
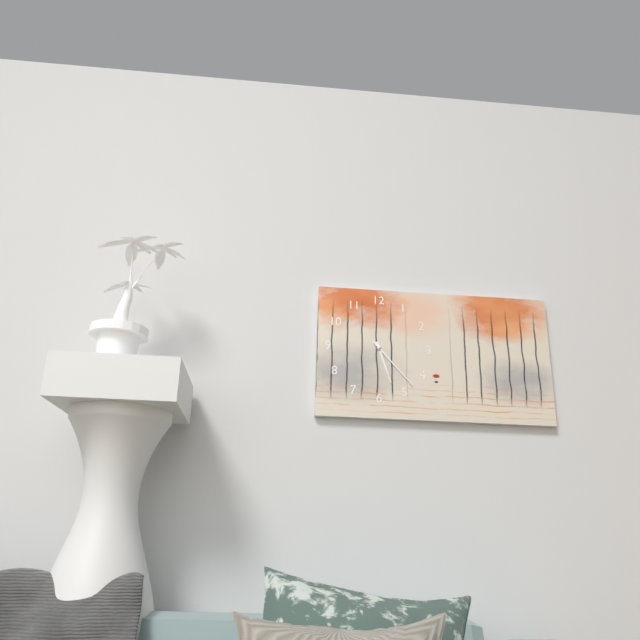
5:23
